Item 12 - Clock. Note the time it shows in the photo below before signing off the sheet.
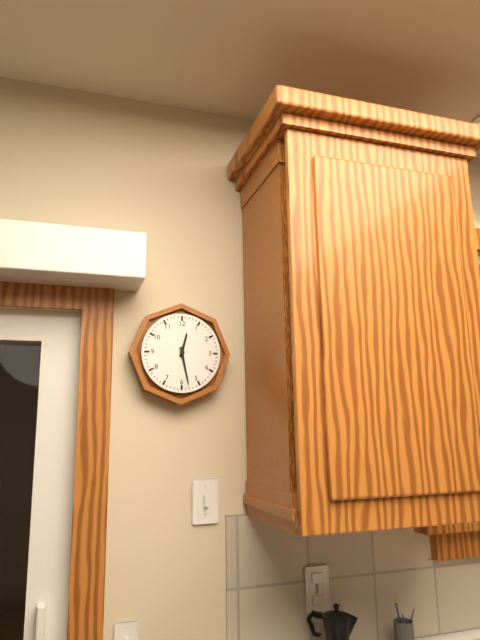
12:28
